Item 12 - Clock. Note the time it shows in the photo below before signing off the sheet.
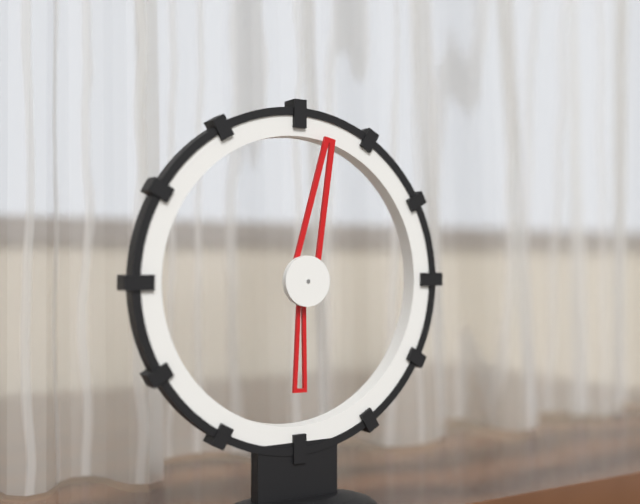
6:02
